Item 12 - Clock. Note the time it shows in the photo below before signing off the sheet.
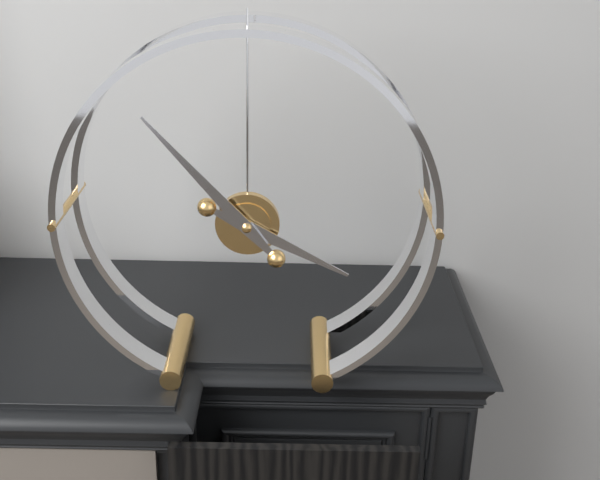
3:53
